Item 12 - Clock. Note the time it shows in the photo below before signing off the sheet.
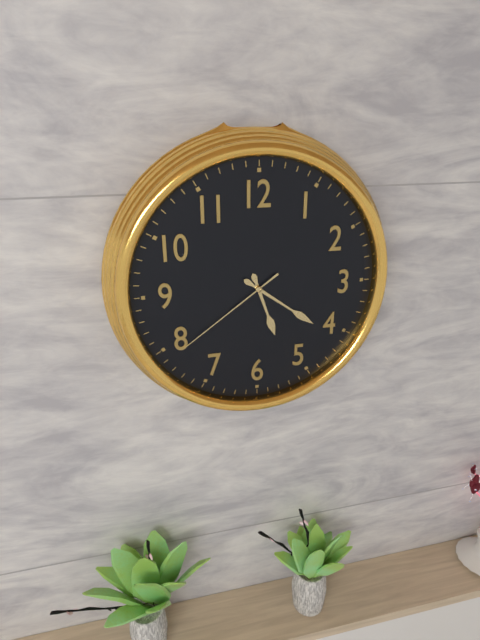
5:21:39
